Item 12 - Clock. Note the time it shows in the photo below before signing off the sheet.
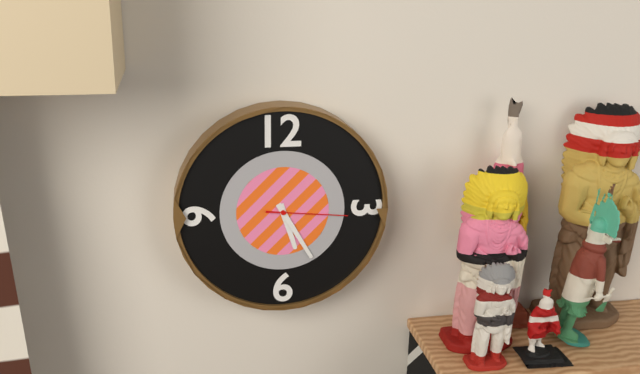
5:25:16
